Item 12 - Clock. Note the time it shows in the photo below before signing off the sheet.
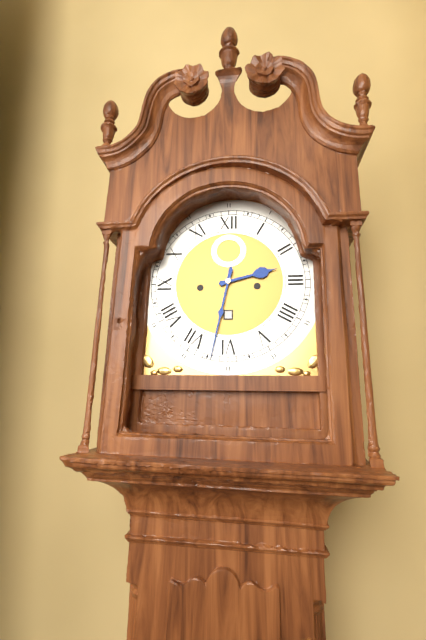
2:32
